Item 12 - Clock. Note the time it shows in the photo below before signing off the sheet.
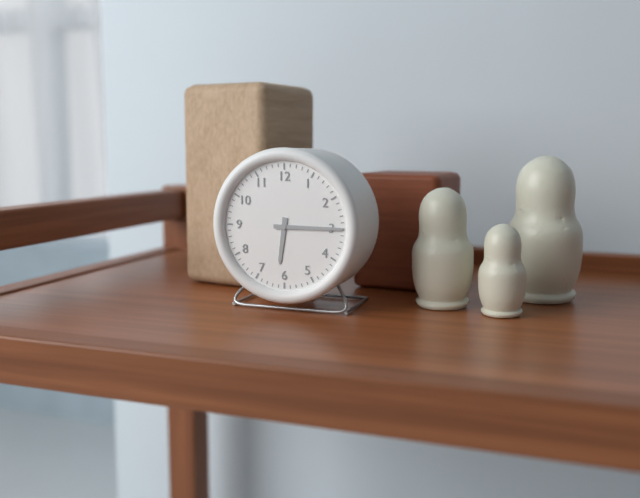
6:15
